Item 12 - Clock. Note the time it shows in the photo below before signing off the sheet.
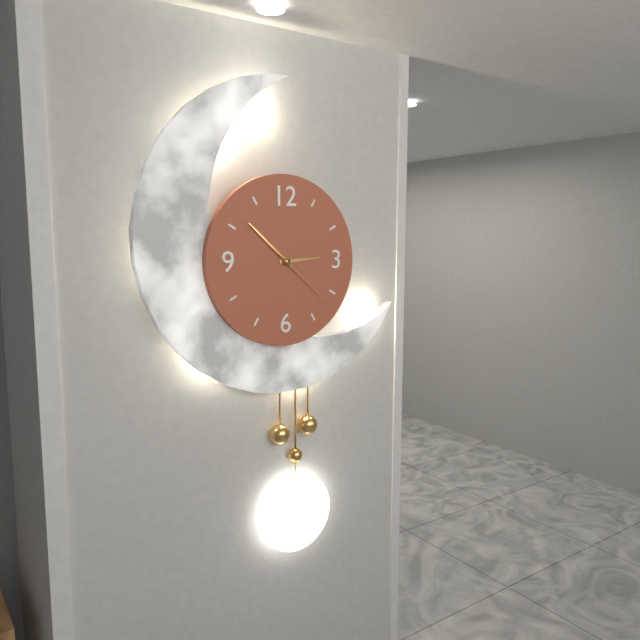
2:52:22
